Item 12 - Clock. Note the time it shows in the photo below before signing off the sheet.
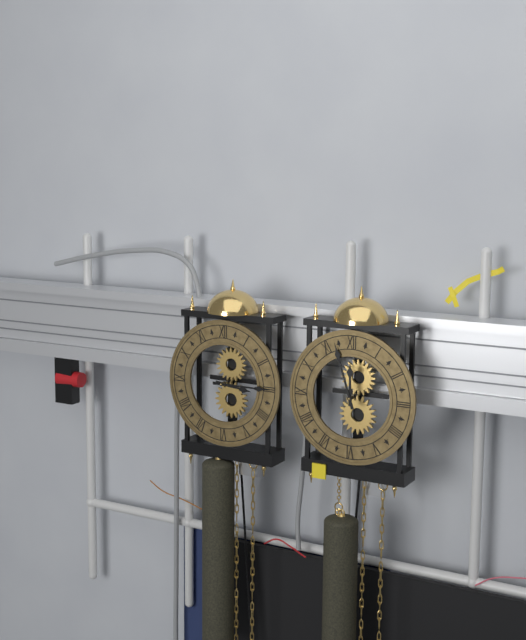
3:15
